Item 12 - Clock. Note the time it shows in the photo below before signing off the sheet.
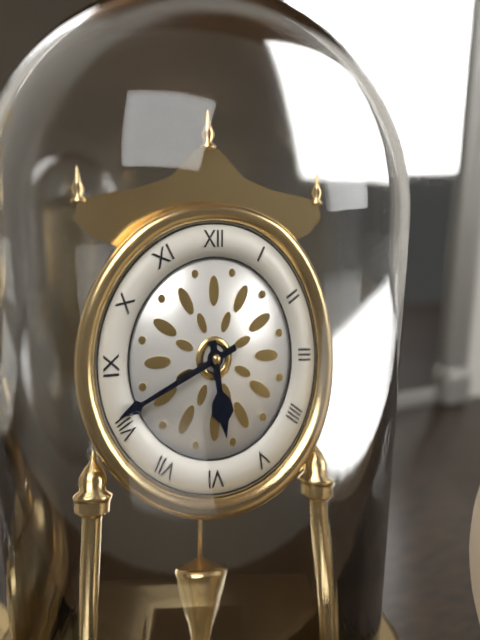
5:41
